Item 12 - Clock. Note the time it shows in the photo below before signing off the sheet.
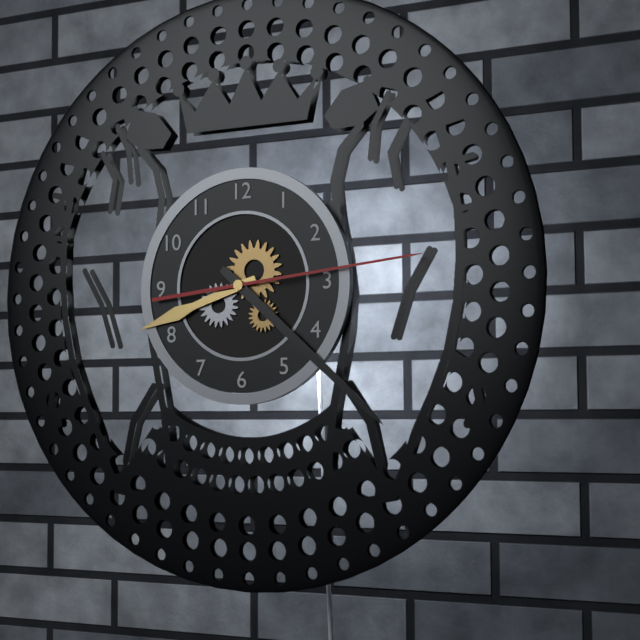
8:22:14
